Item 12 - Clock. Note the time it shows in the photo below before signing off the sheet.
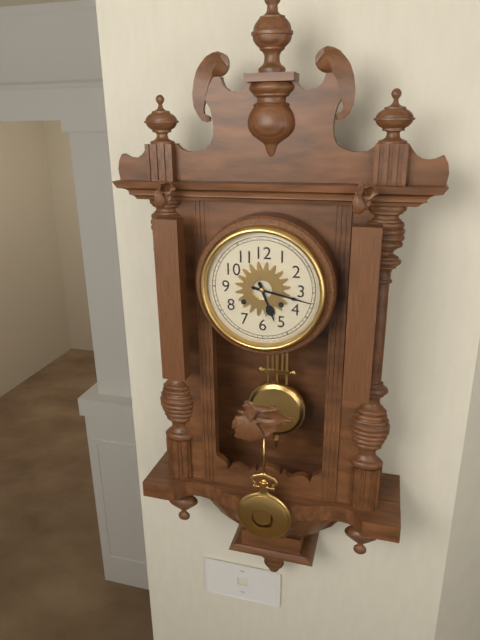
5:17
